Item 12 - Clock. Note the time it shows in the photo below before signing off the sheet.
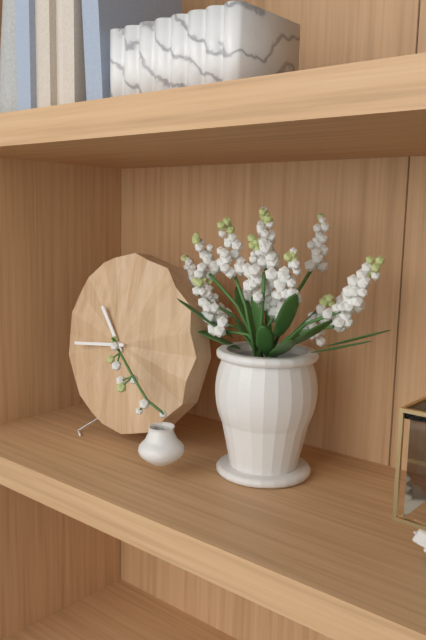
10:44
